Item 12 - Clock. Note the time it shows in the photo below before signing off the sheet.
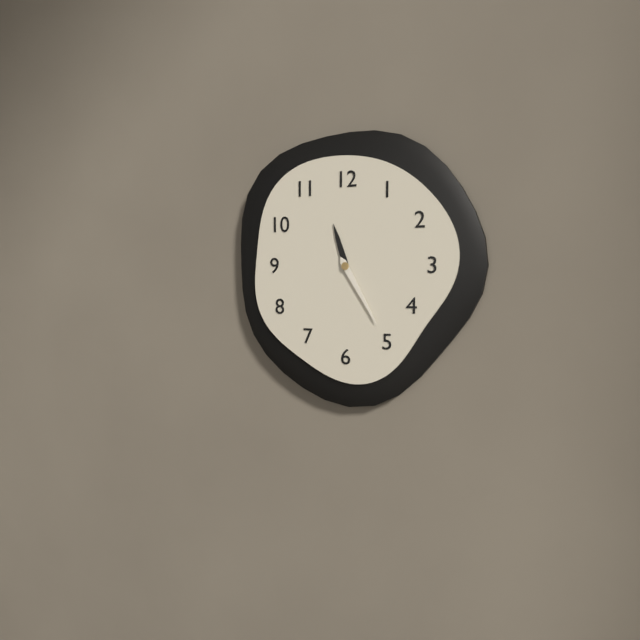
11:25
